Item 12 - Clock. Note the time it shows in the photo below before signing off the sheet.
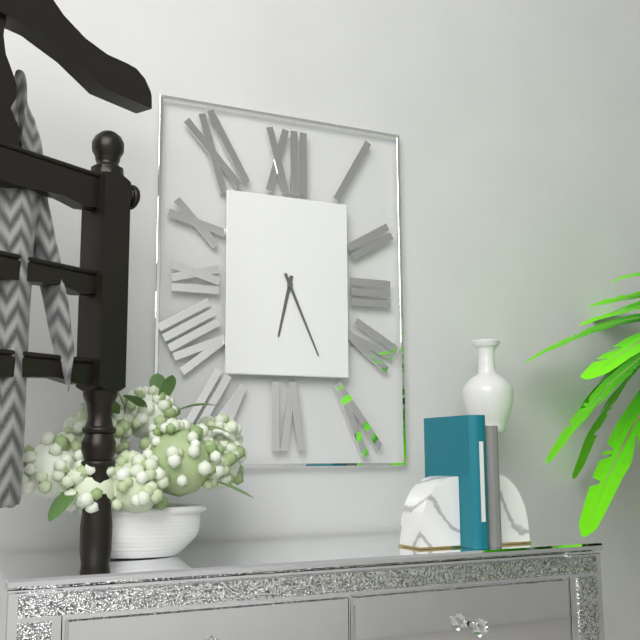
6:26
